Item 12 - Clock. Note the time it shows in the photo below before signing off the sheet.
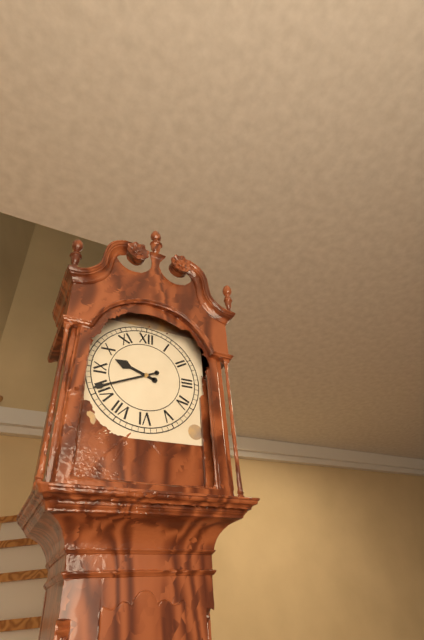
9:41
